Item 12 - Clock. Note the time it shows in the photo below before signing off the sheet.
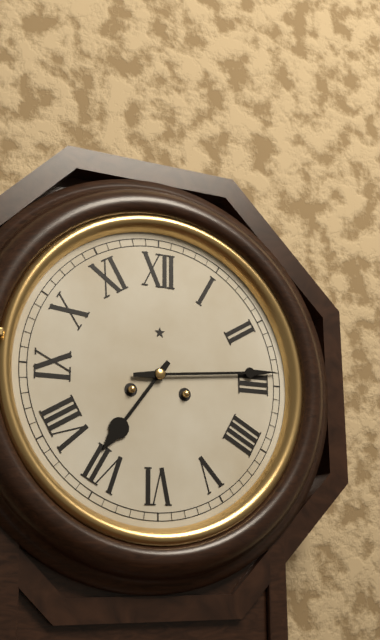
7:14
